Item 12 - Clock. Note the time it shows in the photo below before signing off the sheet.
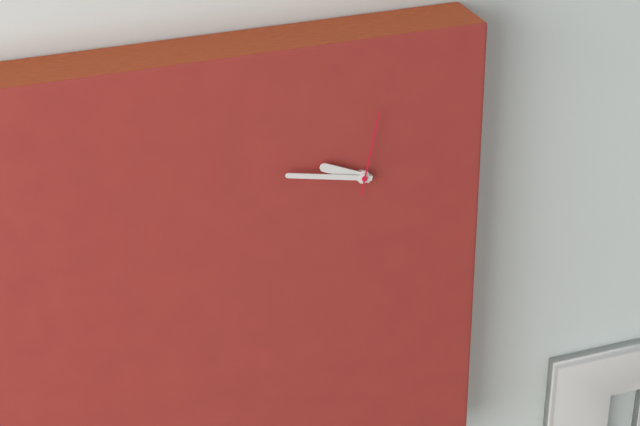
9:47:02
